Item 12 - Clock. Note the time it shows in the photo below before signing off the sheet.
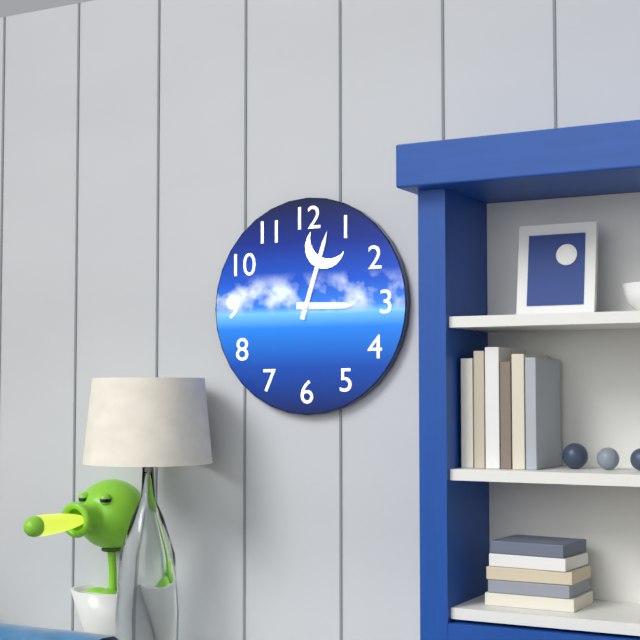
3:03
